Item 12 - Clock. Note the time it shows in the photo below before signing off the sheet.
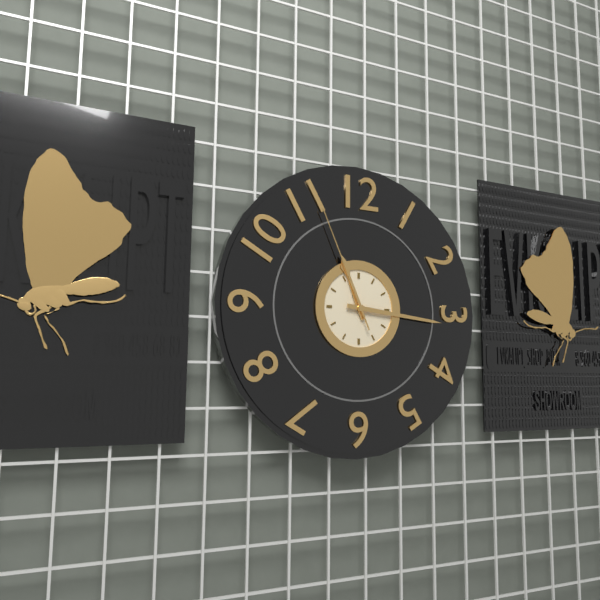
11:16:56
